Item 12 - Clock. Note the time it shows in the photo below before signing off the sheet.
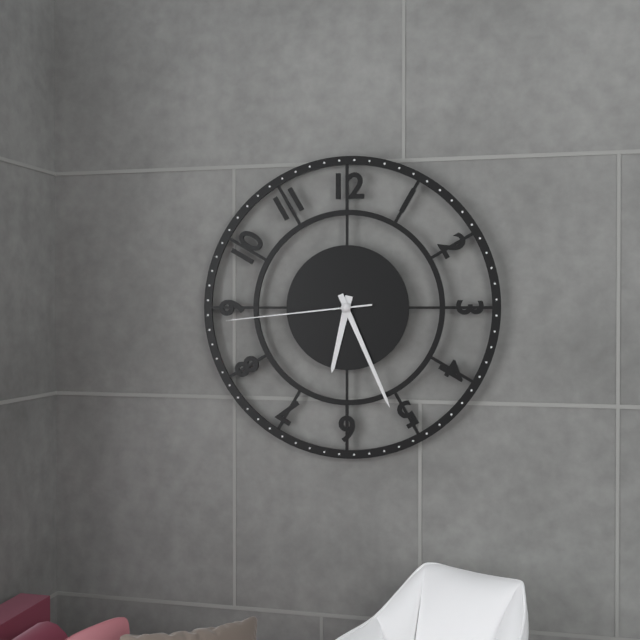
6:26:44
